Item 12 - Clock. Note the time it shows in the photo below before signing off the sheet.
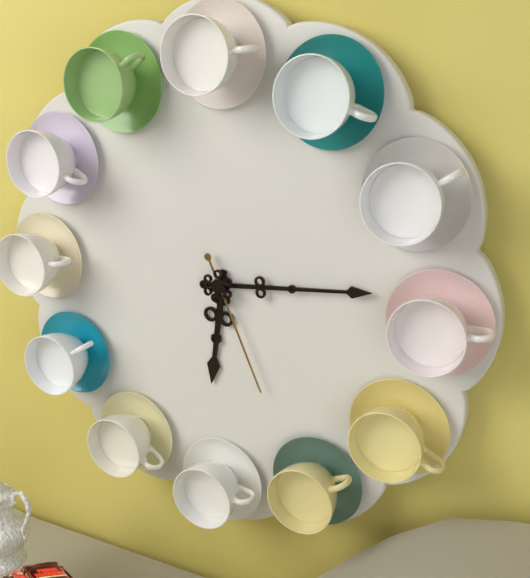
6:14:26
